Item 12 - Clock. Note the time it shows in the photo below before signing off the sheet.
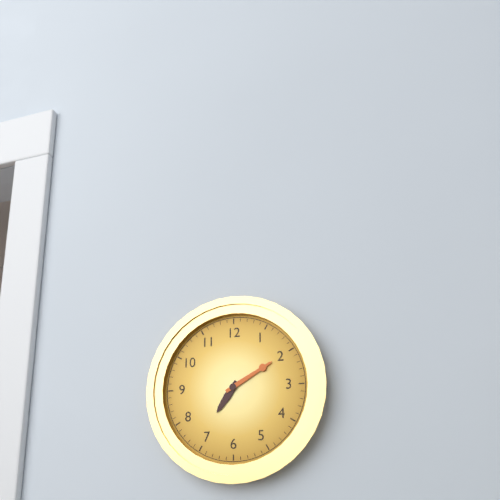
7:10
